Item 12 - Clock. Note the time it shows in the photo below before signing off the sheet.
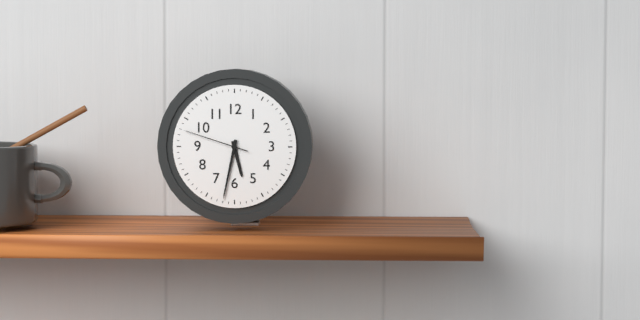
5:32:48
